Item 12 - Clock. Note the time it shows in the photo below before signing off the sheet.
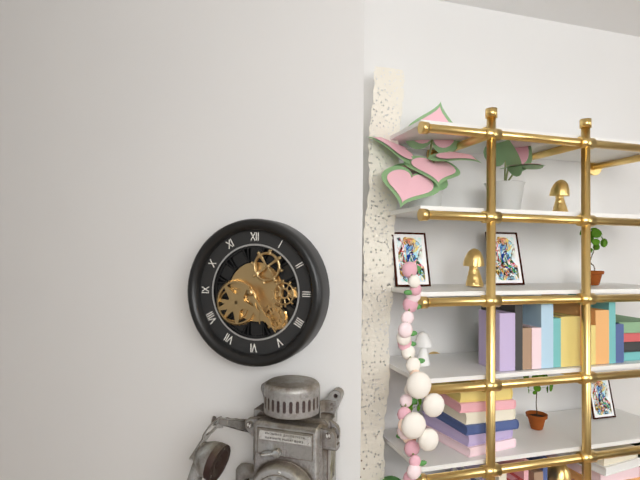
5:24
